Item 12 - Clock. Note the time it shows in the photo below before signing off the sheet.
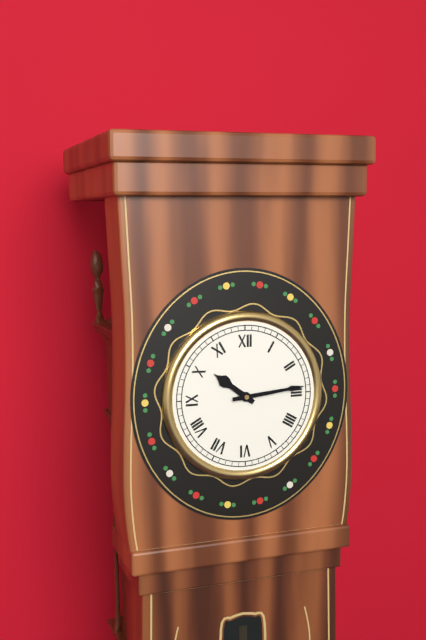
10:14
